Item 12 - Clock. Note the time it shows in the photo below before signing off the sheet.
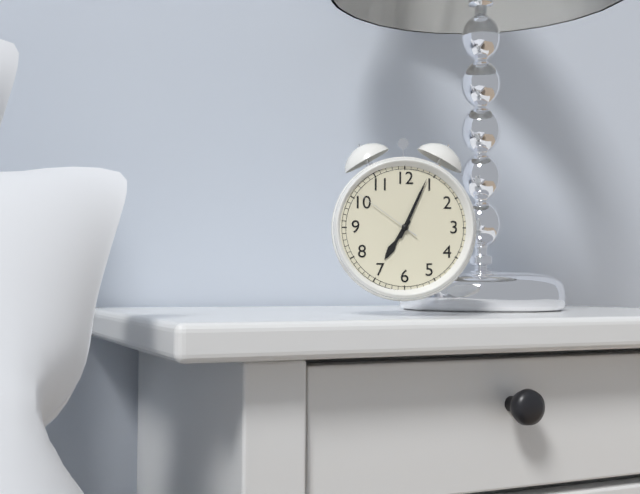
7:04:51
